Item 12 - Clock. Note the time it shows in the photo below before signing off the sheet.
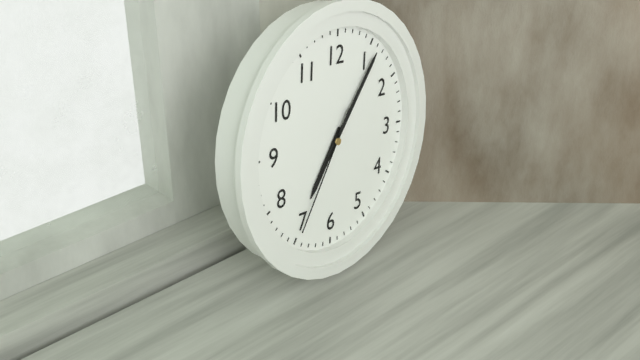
7:06:35
